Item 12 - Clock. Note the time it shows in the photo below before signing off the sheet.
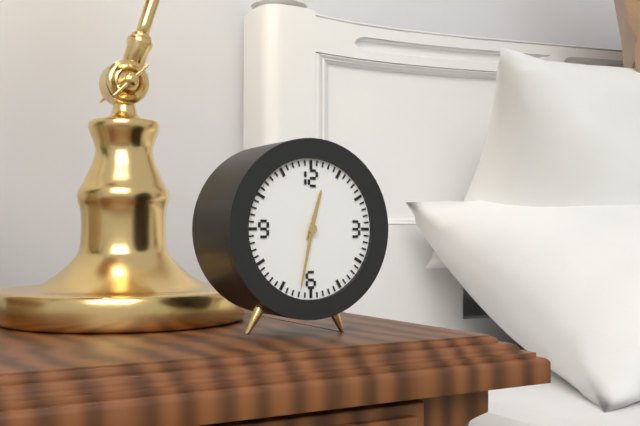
12:32
